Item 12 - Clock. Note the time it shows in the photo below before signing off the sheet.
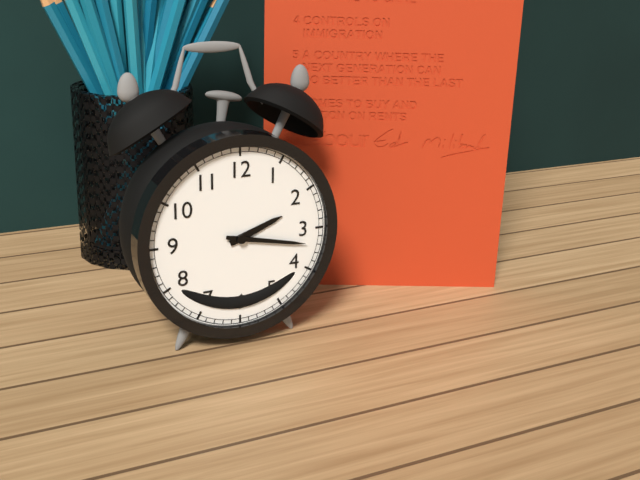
2:17
